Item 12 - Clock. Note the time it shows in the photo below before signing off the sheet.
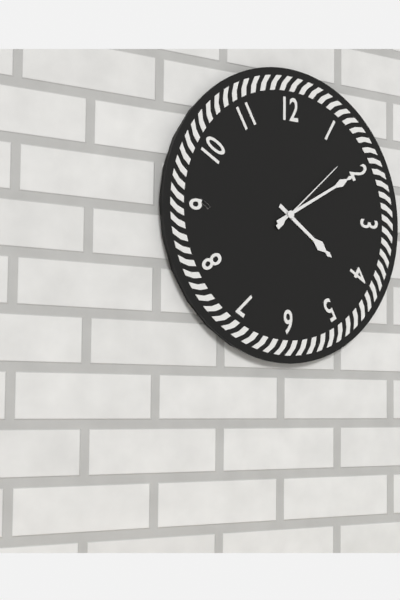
4:10:08
